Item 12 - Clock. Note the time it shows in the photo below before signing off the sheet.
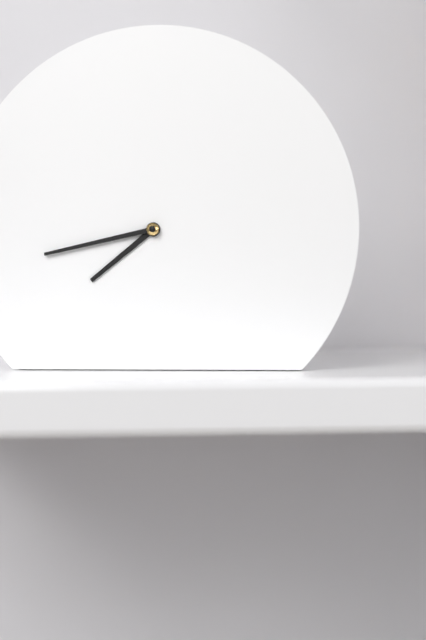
7:43
